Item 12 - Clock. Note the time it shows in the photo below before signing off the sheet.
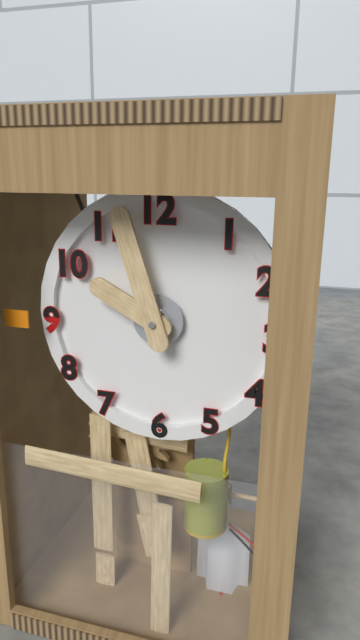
9:57
